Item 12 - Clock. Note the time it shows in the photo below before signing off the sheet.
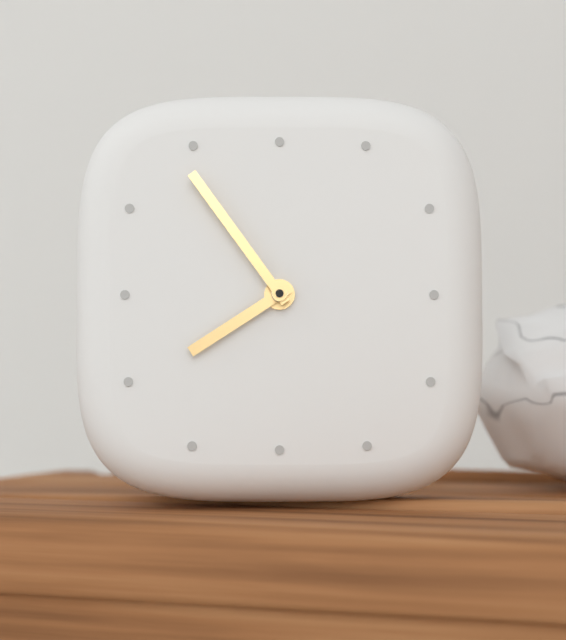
7:54
